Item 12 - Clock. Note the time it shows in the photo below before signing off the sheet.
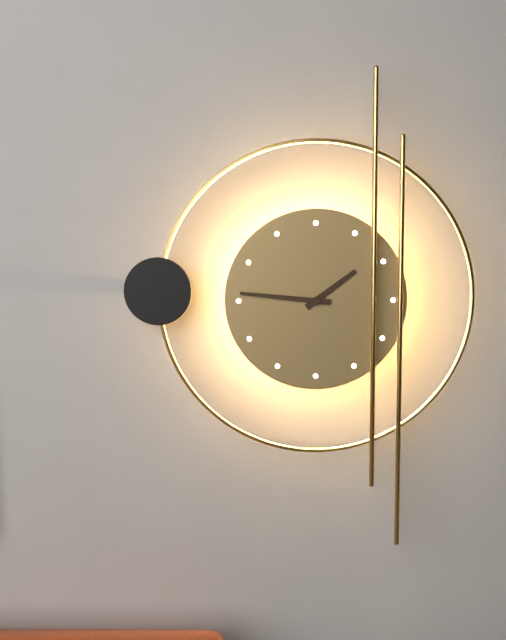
1:46
